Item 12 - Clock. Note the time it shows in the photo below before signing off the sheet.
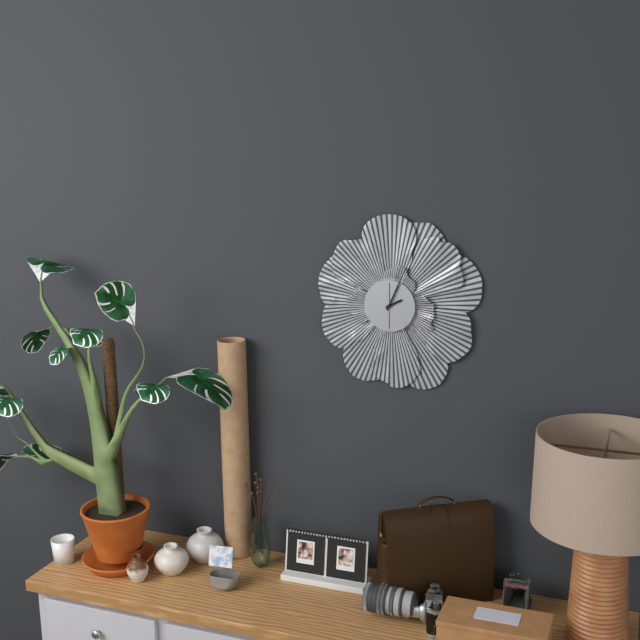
2:04
